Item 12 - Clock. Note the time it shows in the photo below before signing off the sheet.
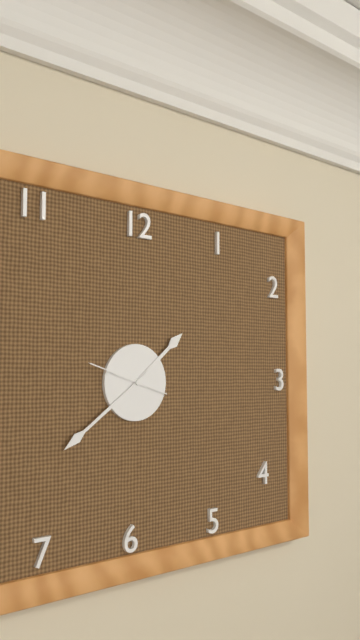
1:39:48
